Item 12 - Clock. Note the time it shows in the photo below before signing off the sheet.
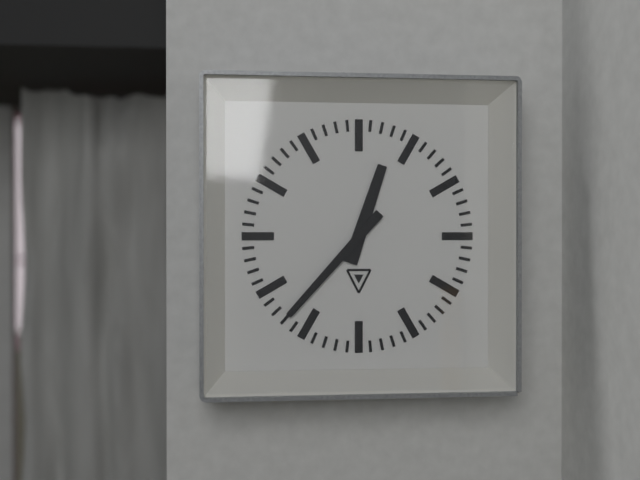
12:37
